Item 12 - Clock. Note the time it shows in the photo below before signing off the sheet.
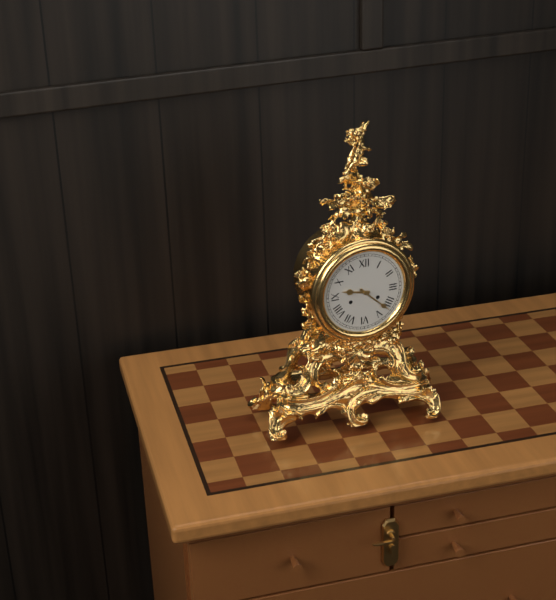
9:22
